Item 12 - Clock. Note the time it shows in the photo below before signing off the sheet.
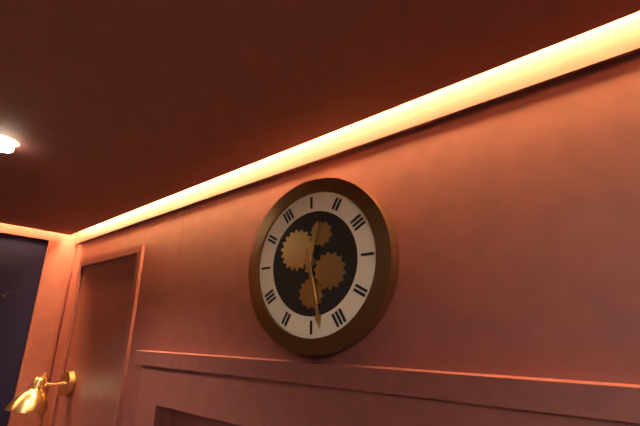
12:28
